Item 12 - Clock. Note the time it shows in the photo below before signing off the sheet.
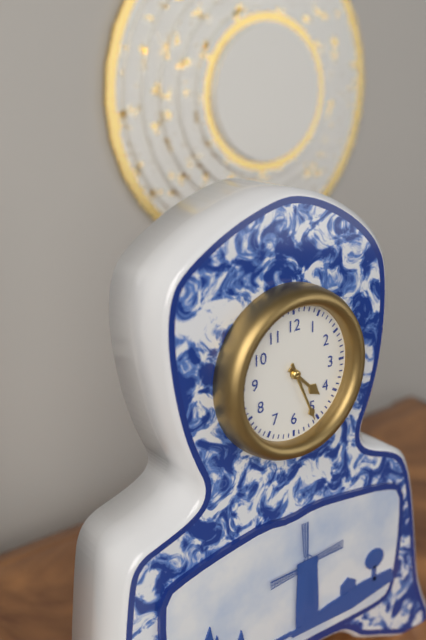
4:26
